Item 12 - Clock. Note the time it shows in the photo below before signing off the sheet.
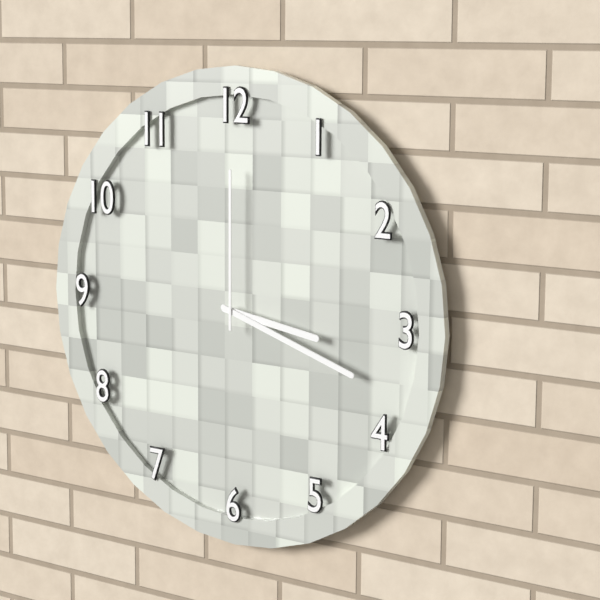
3:18:00
